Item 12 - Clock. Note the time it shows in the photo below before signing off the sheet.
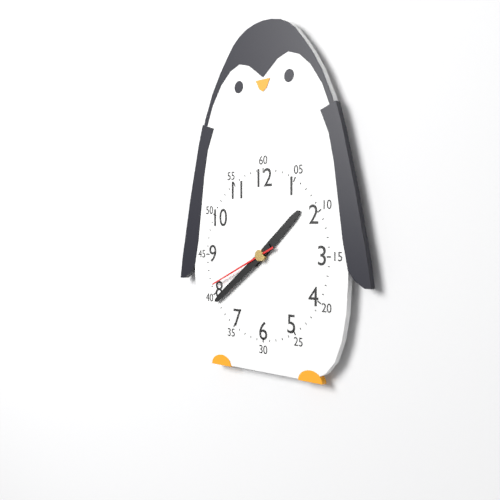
1:39:41
